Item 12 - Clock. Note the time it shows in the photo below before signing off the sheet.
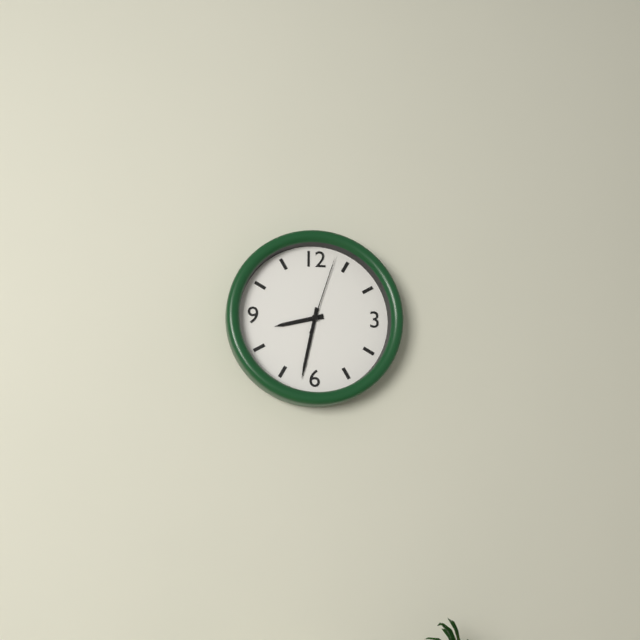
8:32:03
